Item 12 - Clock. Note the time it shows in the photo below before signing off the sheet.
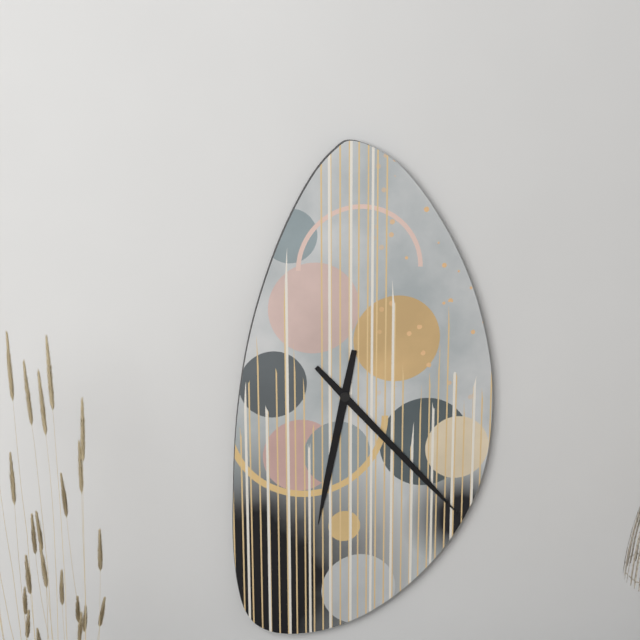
6:23
